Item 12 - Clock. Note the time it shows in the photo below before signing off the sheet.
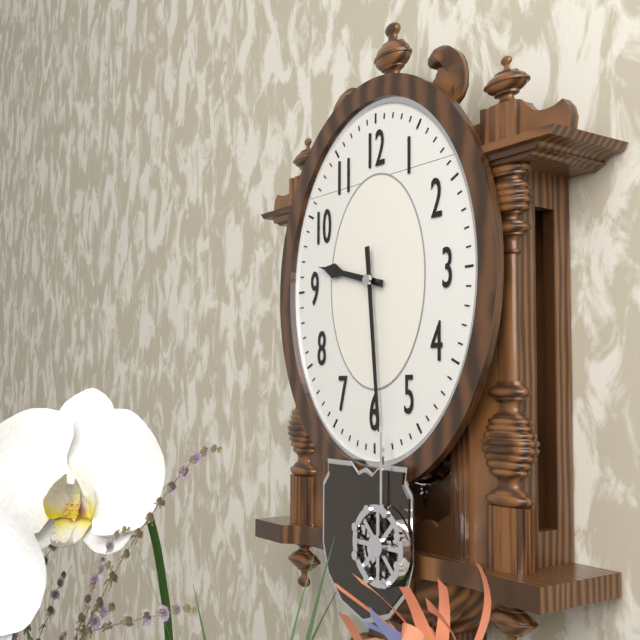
9:29
